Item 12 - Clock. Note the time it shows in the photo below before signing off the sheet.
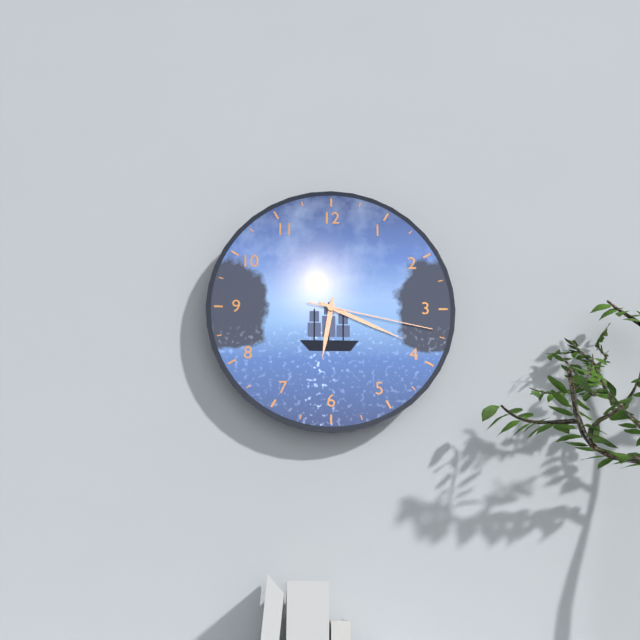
6:19:17
